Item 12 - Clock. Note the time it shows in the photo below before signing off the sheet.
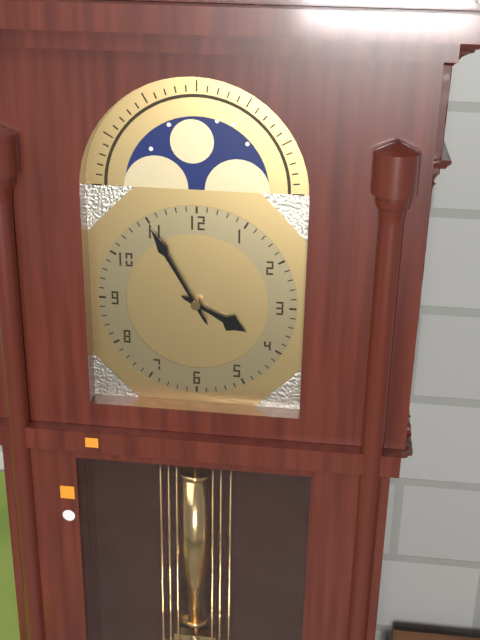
3:55
